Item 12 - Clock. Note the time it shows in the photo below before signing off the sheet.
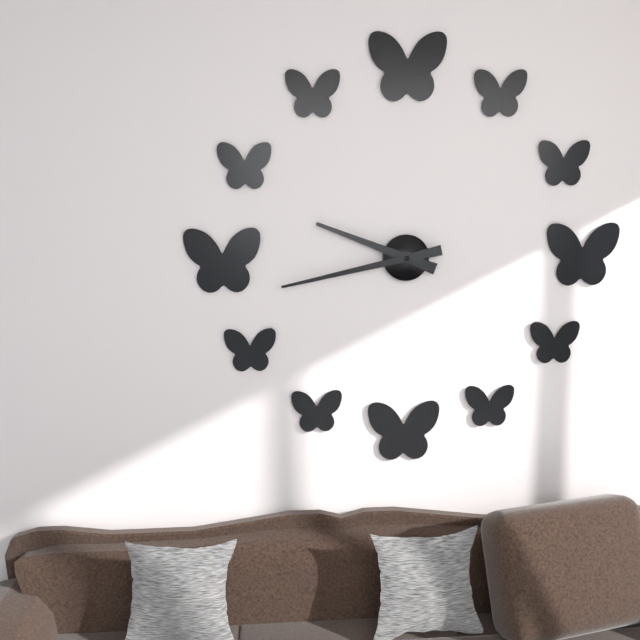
9:43
